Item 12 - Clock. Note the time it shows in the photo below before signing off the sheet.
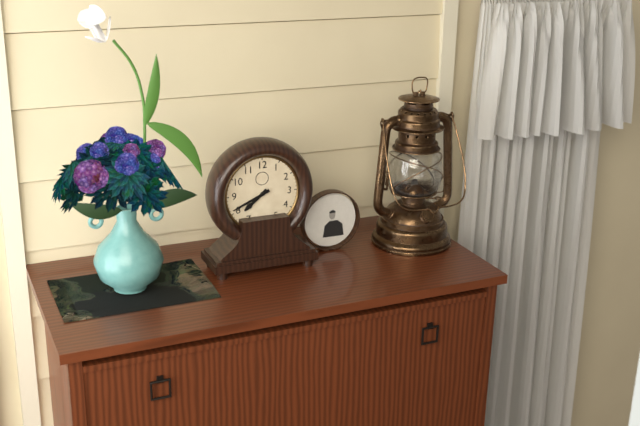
7:41
